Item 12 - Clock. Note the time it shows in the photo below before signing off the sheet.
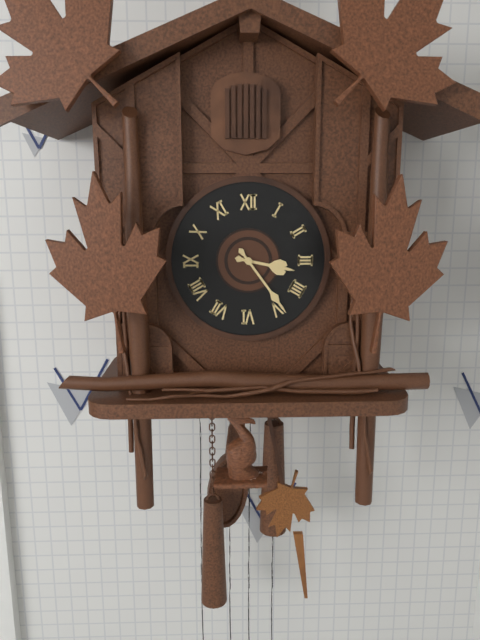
3:24
